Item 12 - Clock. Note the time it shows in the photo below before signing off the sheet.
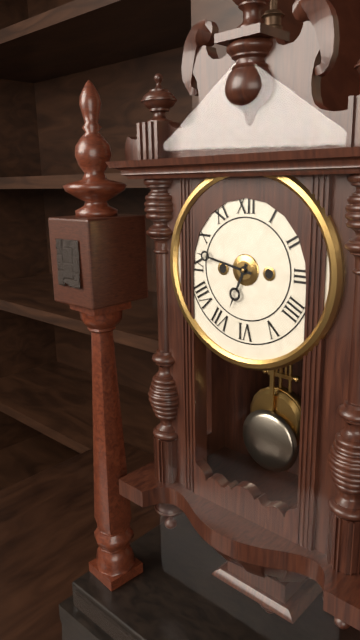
6:47
